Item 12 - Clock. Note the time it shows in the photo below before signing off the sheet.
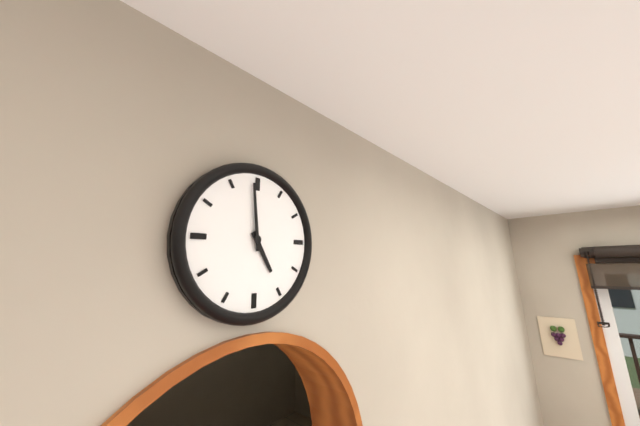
4:59
